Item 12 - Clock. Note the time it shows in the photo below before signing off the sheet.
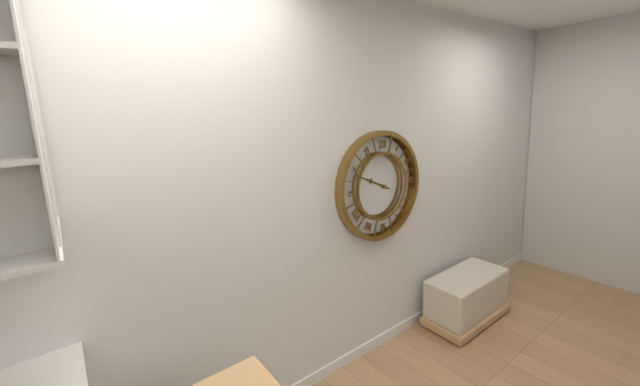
9:49
